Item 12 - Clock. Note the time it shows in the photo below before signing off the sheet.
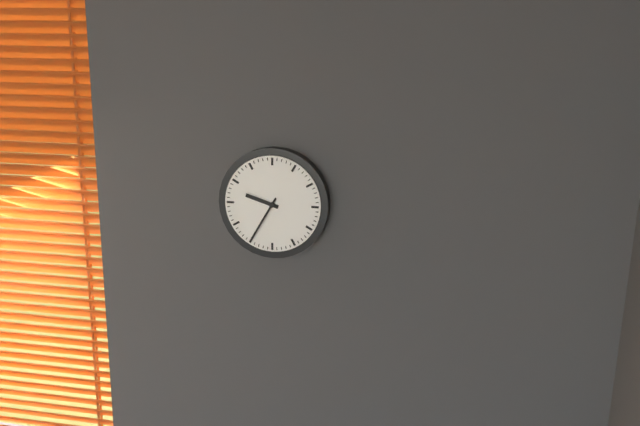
9:35
